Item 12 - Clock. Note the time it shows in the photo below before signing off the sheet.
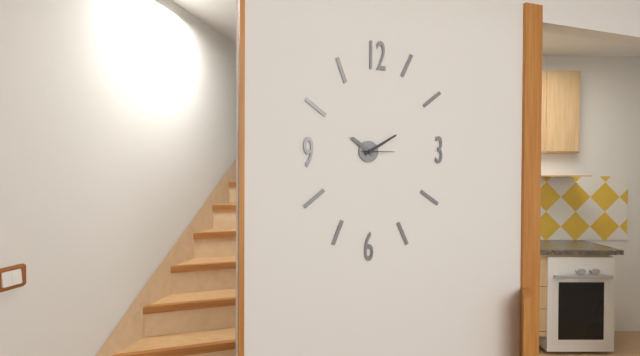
10:10
